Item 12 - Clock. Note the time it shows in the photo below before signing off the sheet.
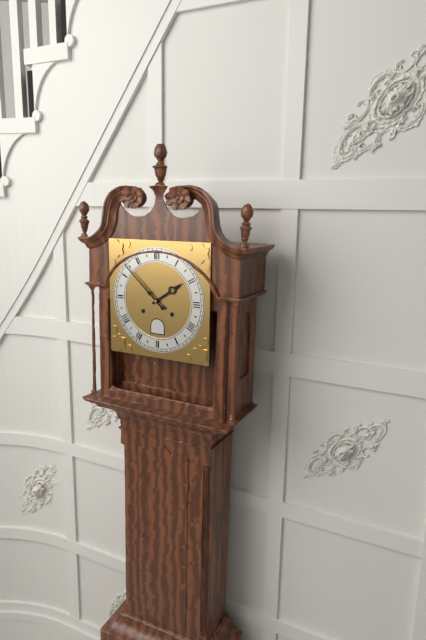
1:52
